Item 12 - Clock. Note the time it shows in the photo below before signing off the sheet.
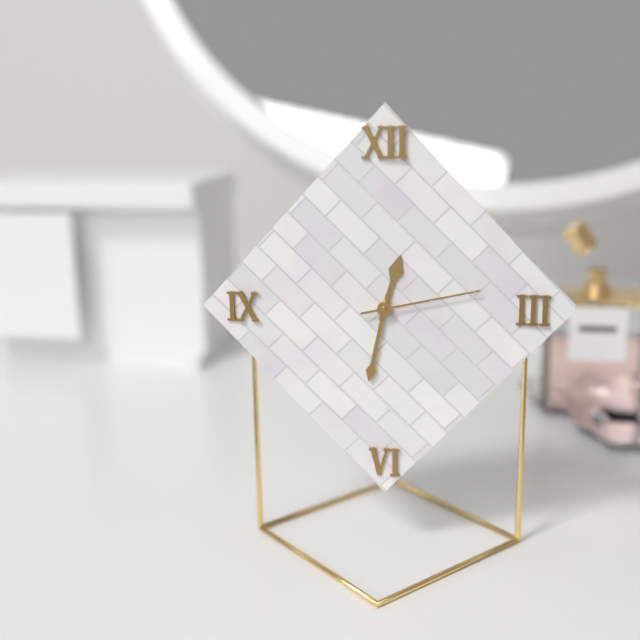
12:32:13
